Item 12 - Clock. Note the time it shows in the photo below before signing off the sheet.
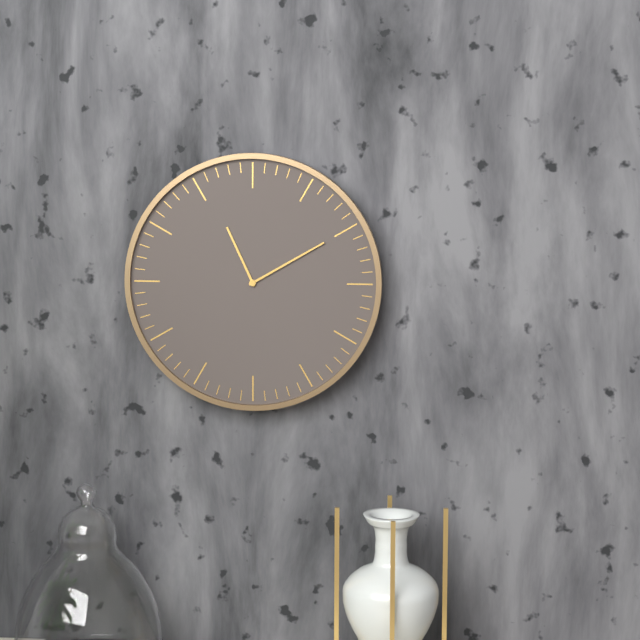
11:10
